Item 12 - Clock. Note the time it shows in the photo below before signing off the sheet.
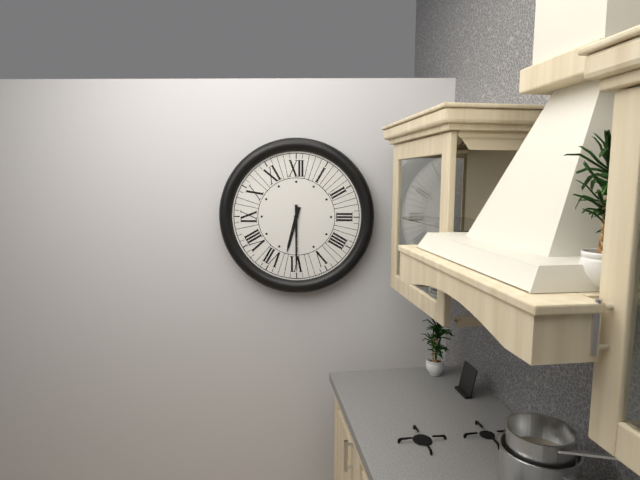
6:30
